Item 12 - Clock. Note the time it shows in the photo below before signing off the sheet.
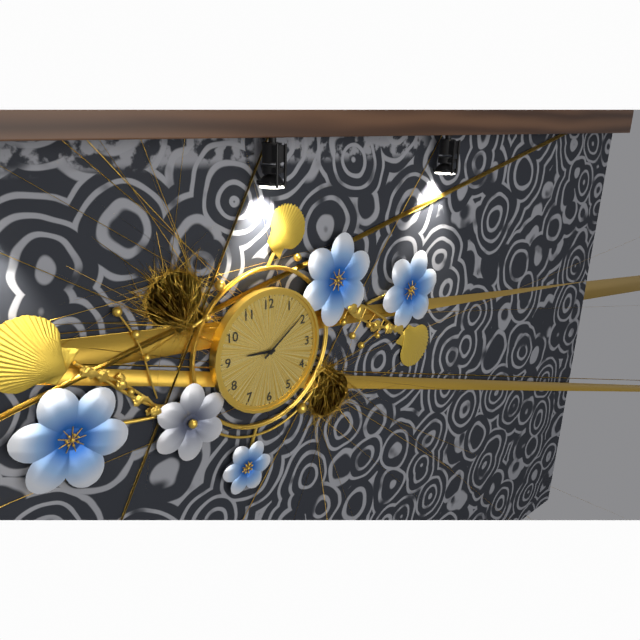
9:09
